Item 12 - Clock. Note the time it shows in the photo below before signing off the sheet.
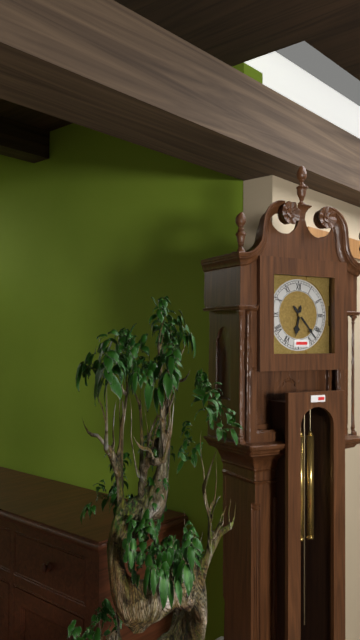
6:23
